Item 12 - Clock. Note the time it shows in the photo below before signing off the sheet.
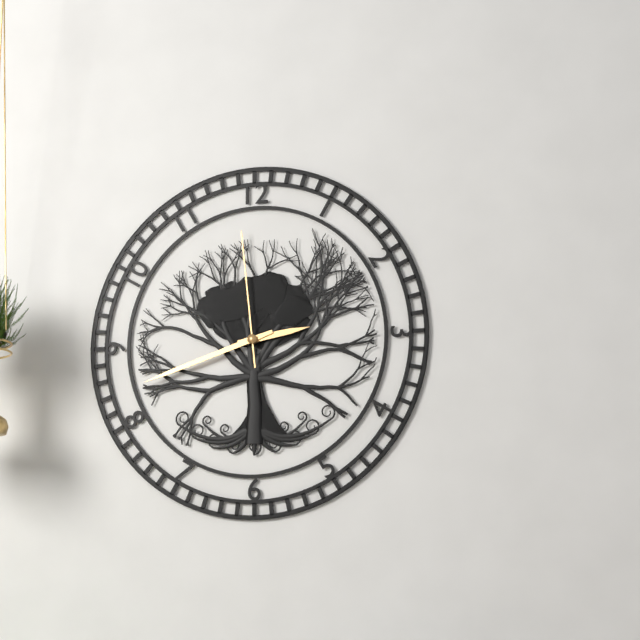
2:42:59
